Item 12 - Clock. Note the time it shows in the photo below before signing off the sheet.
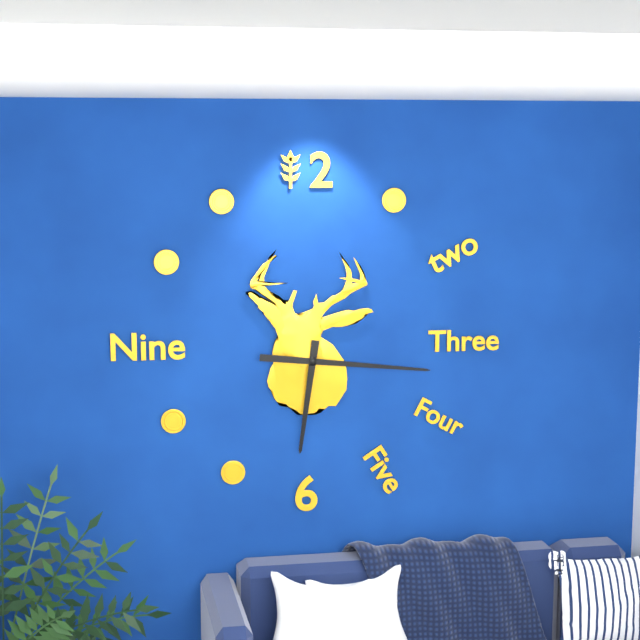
6:16
